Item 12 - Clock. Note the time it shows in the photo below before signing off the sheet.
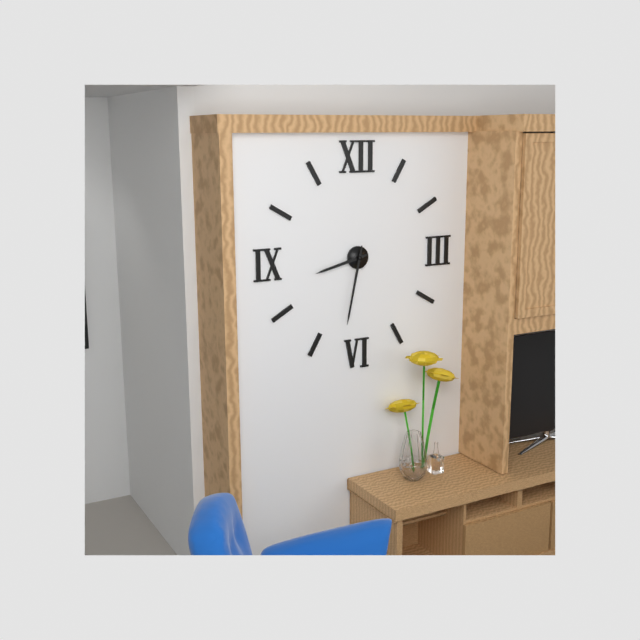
8:32
